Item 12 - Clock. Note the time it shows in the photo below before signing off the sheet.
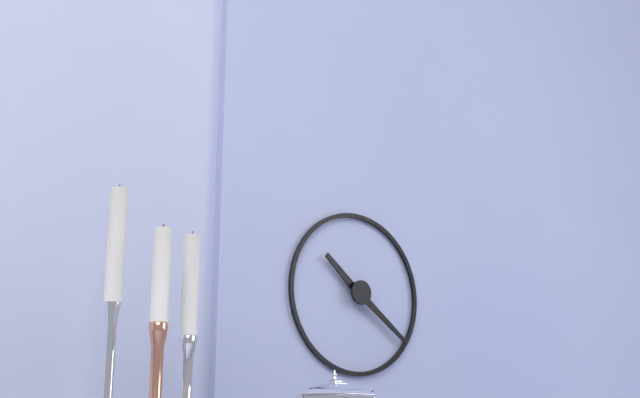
10:21
